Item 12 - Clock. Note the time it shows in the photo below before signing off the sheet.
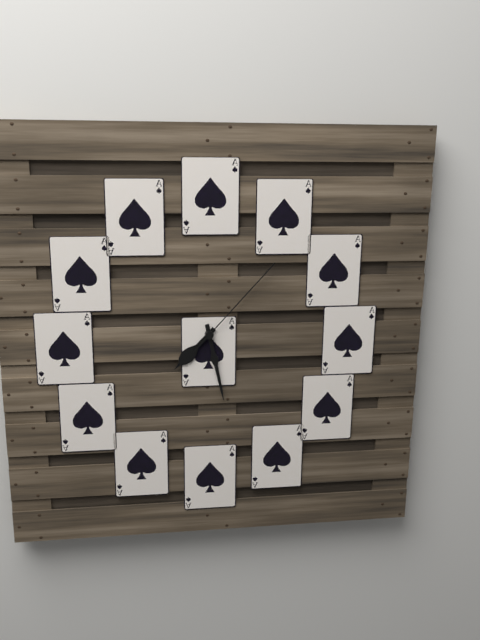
7:28:07
